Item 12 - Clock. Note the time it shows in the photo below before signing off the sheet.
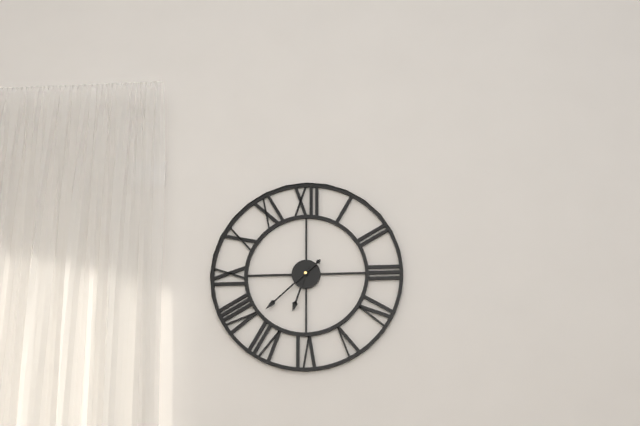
6:38
